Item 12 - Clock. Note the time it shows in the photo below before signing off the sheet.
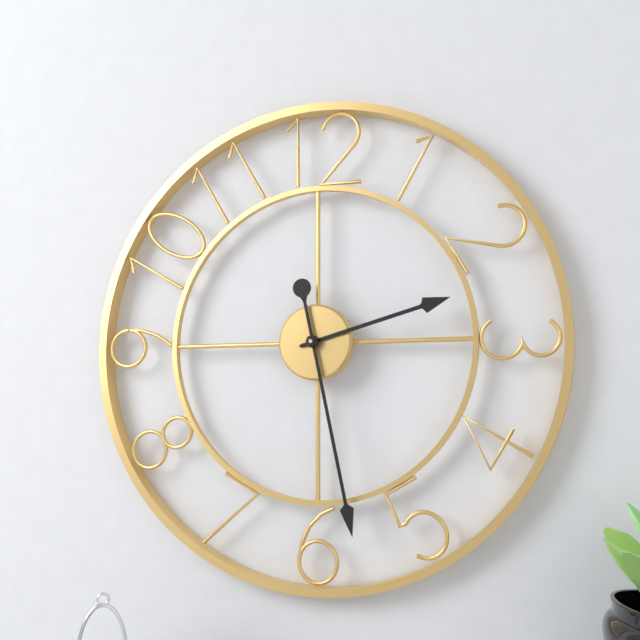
2:28
